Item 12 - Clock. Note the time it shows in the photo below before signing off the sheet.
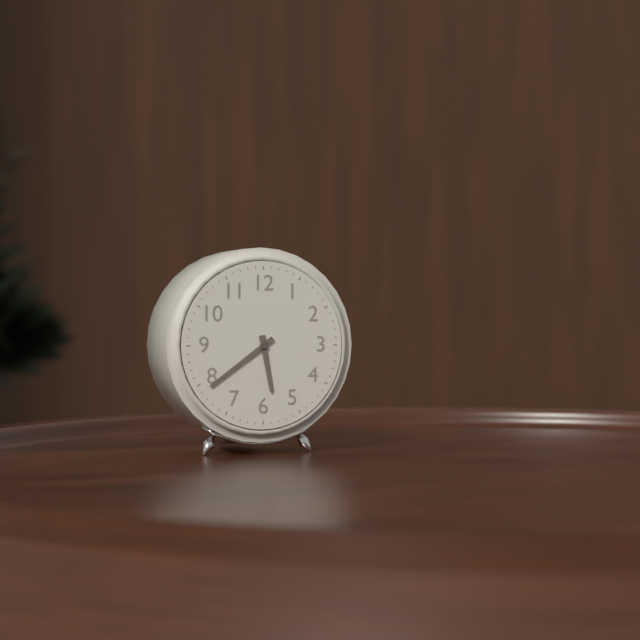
5:39
